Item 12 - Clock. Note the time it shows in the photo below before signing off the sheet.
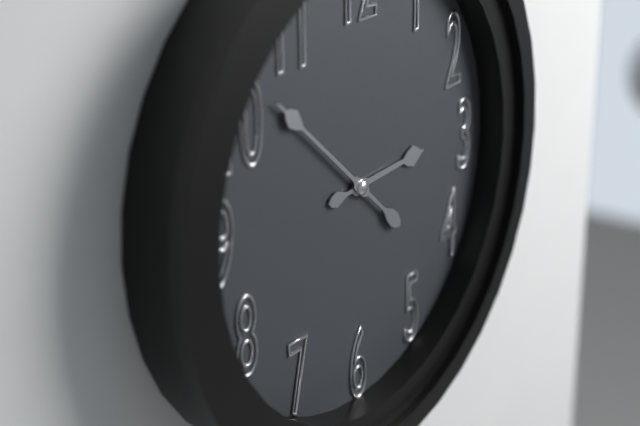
2:52
